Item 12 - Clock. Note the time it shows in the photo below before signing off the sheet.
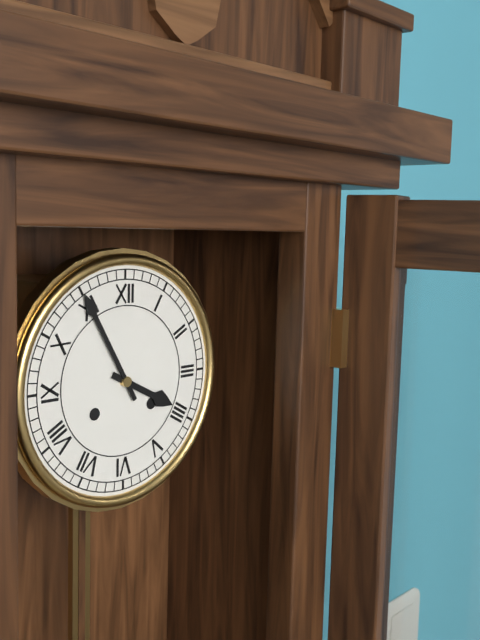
3:55
